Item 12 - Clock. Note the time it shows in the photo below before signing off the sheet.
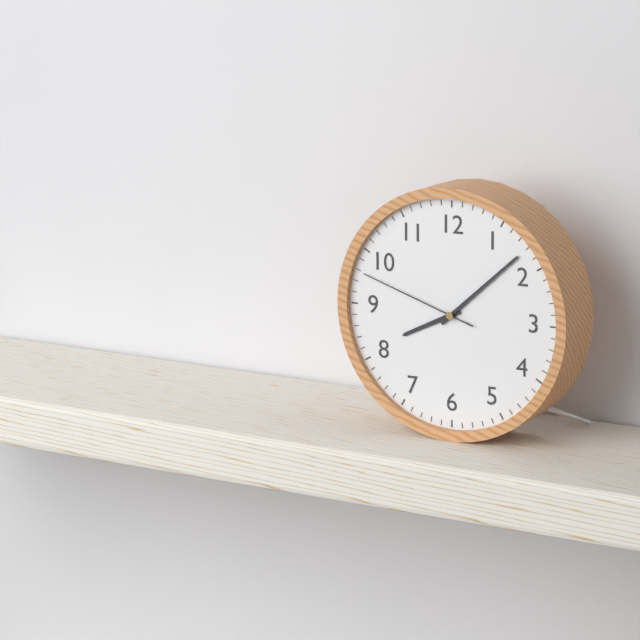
8:08:48
